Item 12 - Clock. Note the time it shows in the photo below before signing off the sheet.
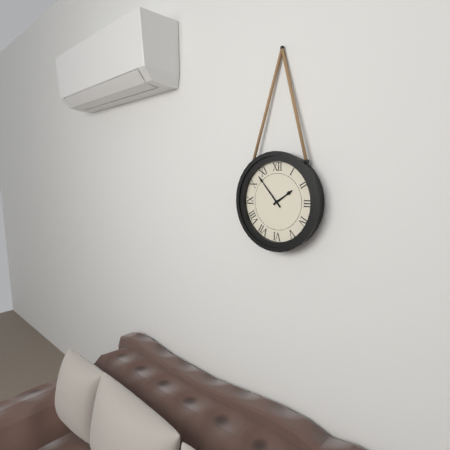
1:53
